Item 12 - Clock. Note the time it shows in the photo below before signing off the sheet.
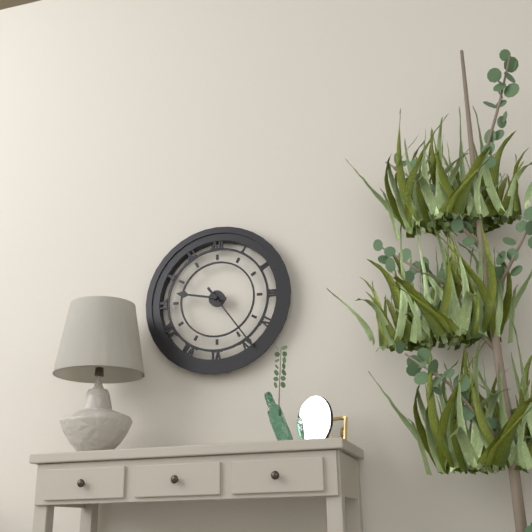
9:24
